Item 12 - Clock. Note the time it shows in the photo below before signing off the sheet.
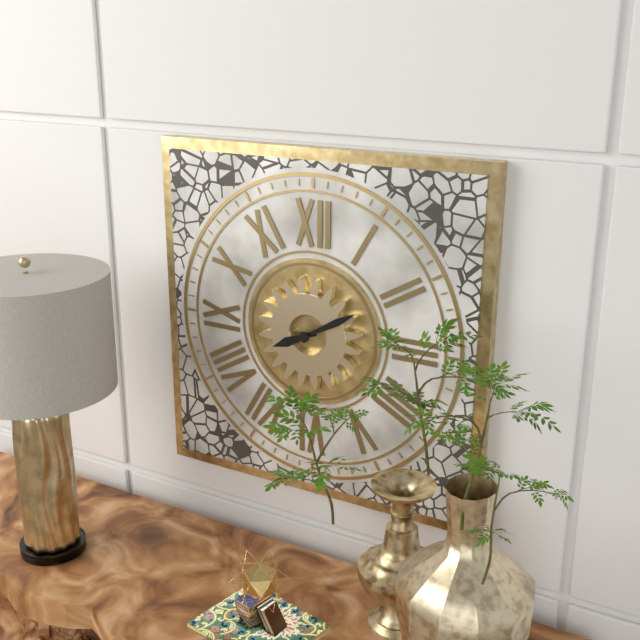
8:10
